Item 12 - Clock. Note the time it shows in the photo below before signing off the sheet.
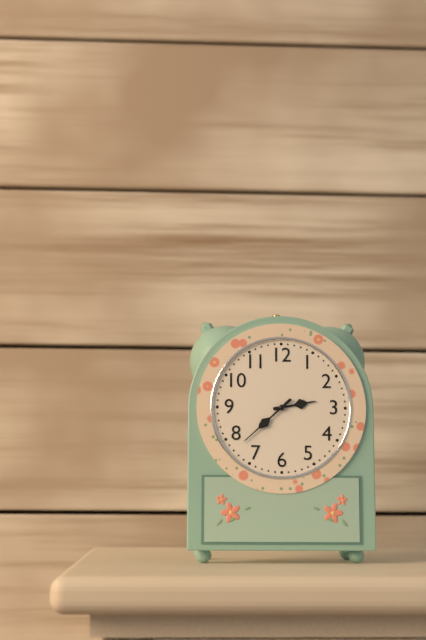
2:38
